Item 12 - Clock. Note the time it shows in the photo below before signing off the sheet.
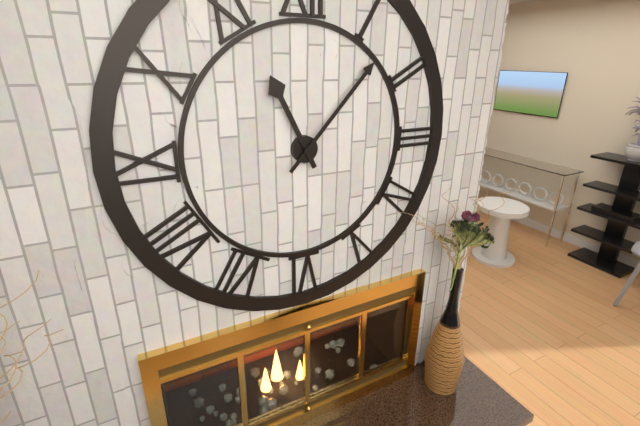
11:07
